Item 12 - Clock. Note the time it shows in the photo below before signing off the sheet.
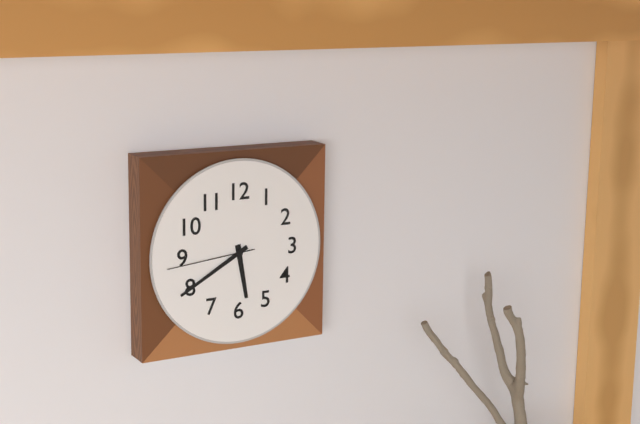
5:40:44
